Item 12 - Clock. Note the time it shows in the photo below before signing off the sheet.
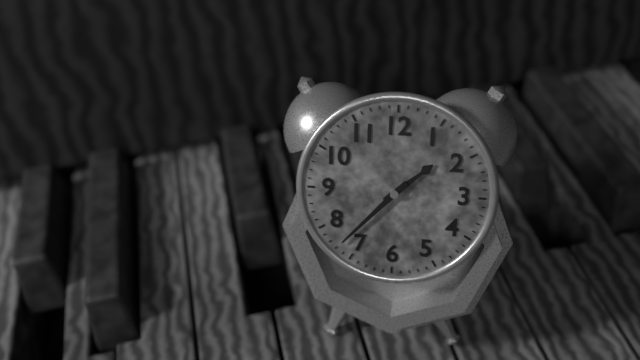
1:37
